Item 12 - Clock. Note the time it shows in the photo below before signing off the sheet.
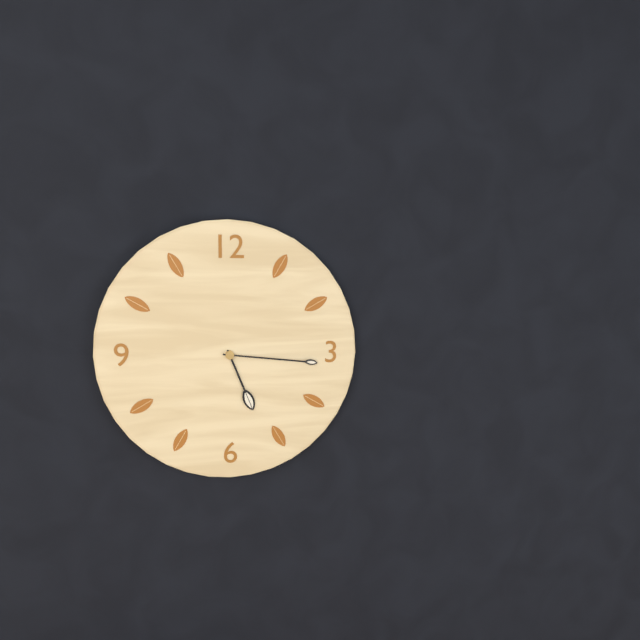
5:16
